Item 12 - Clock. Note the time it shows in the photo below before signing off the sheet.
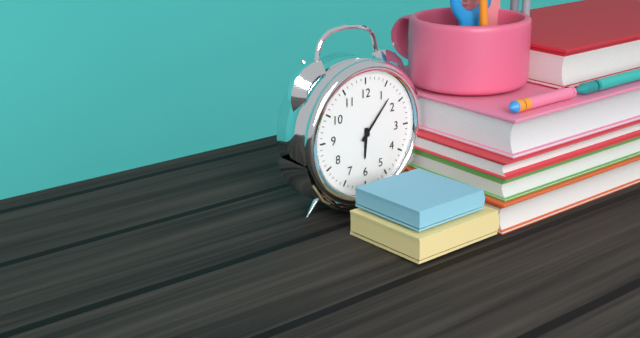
6:07
